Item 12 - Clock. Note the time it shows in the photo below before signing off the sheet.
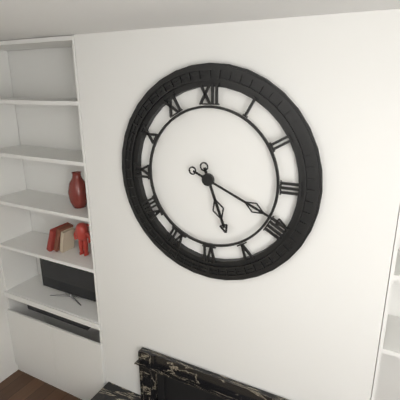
5:19
